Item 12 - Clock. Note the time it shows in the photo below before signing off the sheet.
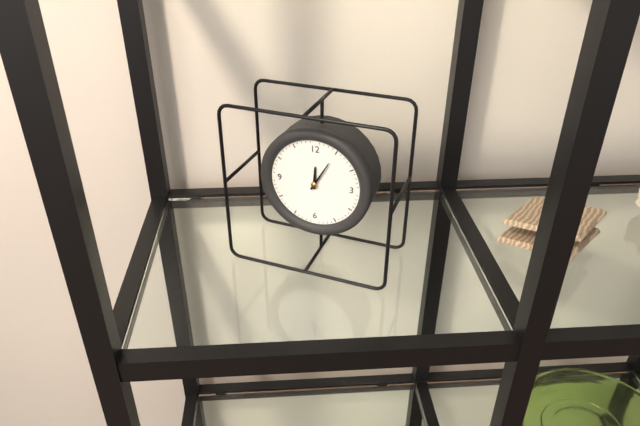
12:05
